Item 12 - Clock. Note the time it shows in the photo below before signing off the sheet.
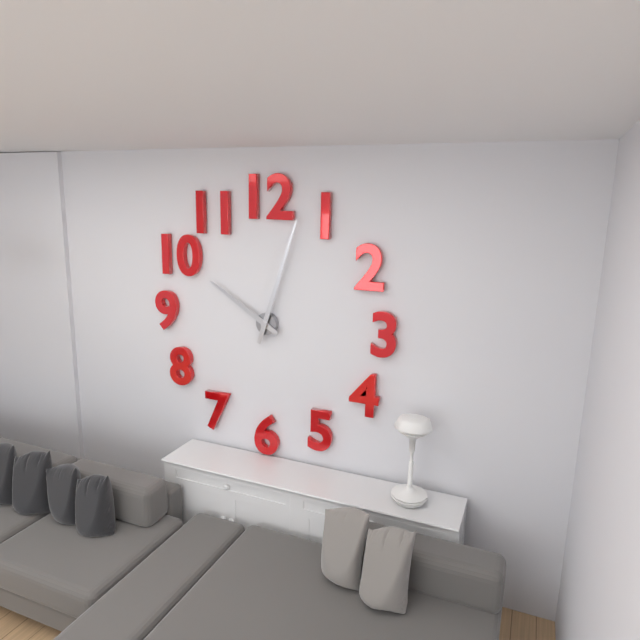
10:03
